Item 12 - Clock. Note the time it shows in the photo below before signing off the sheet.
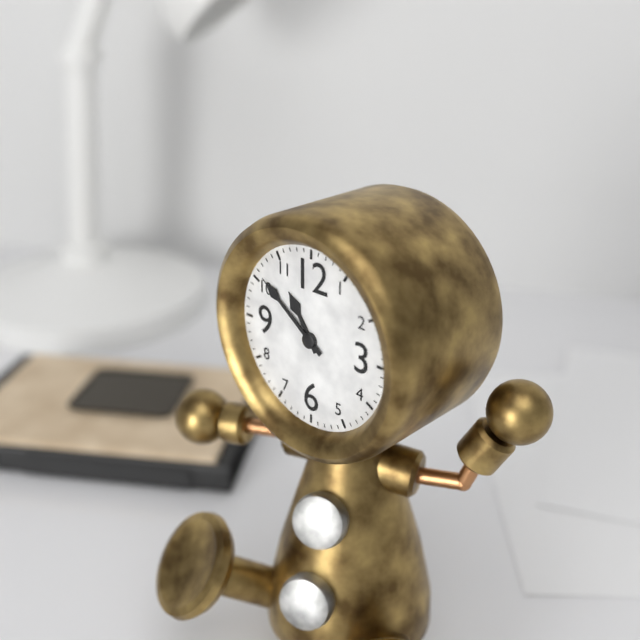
10:51
